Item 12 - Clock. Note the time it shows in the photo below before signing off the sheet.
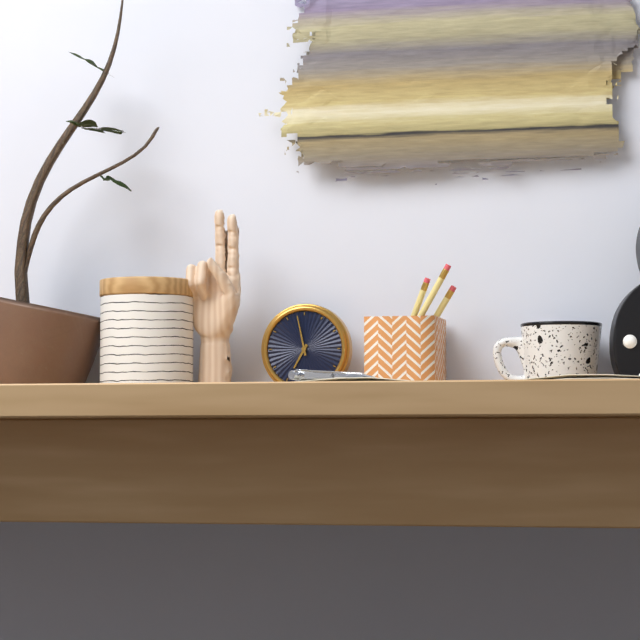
6:58
